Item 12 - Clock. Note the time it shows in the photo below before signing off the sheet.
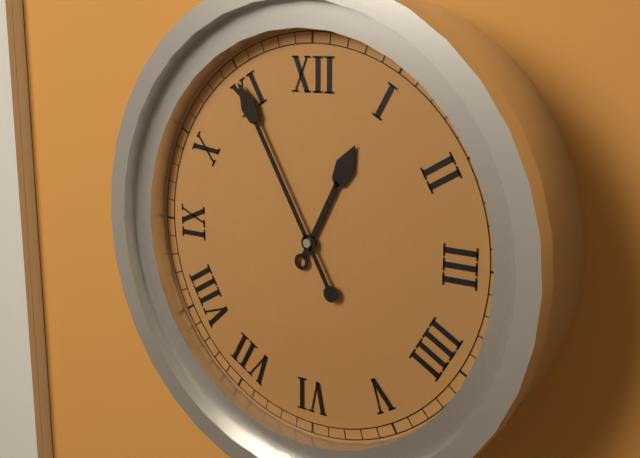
12:55
